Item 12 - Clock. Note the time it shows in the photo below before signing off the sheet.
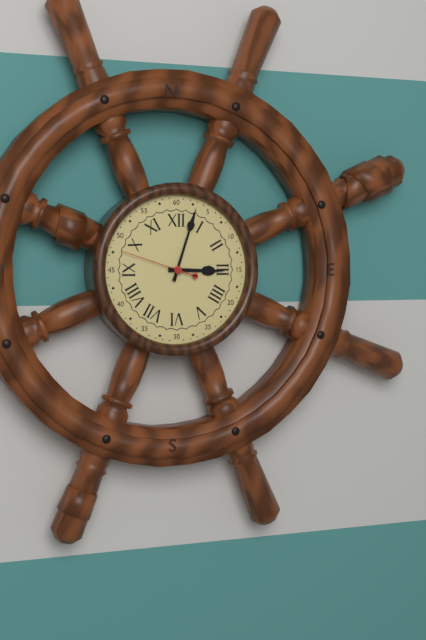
3:03:48
